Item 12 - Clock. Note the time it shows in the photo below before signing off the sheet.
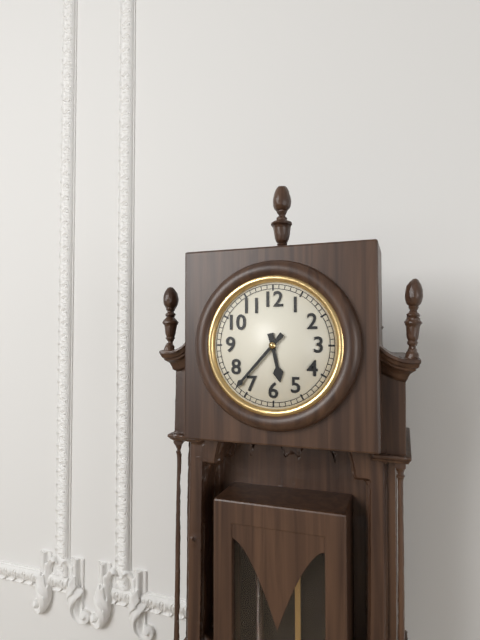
5:37
